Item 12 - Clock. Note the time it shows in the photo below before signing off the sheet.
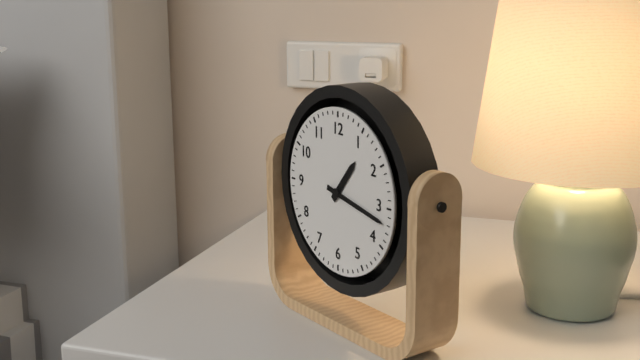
1:17
